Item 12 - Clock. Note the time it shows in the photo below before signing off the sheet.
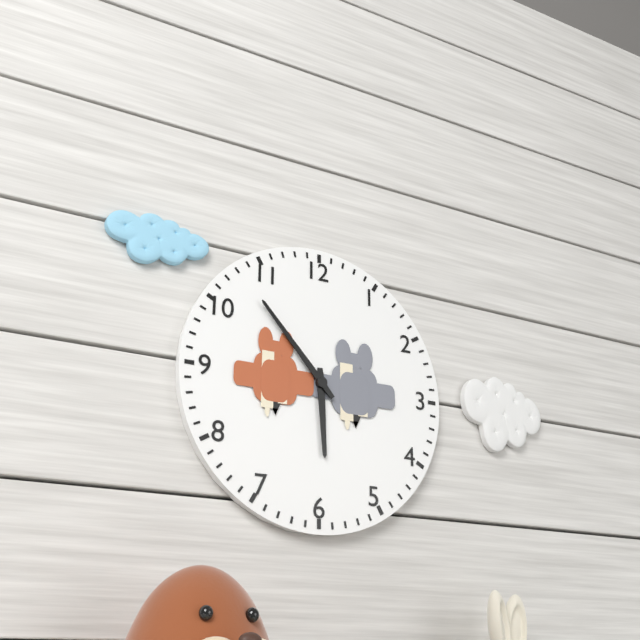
5:53
